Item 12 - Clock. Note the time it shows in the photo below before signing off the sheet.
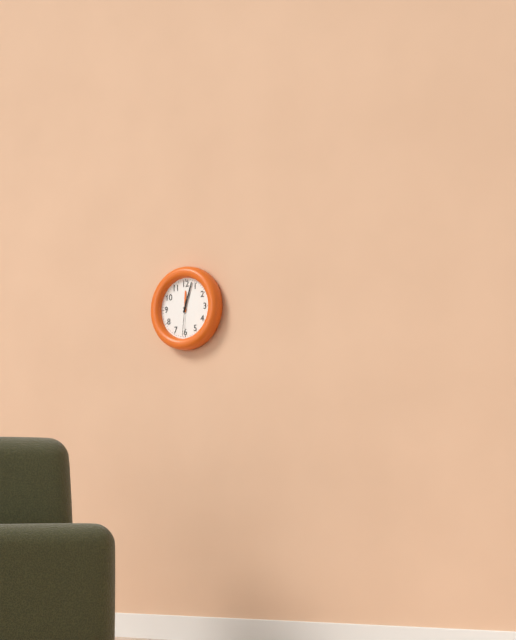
12:03
